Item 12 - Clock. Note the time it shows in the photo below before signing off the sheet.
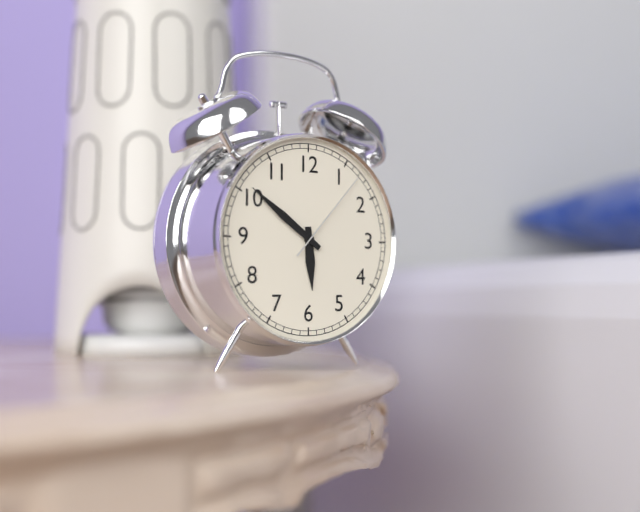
5:51:07
